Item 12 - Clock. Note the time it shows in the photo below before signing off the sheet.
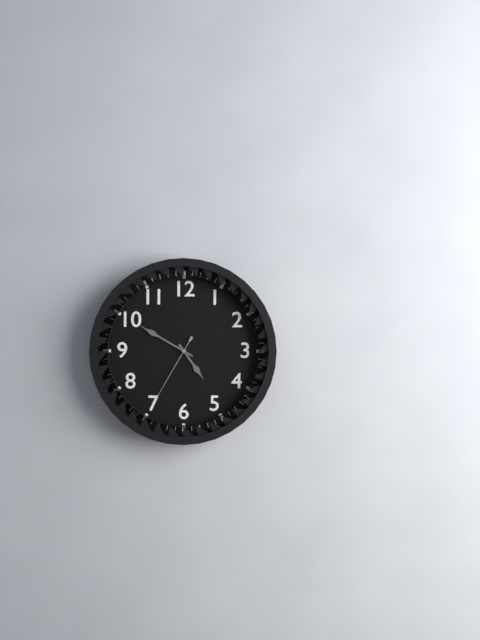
4:50:35
